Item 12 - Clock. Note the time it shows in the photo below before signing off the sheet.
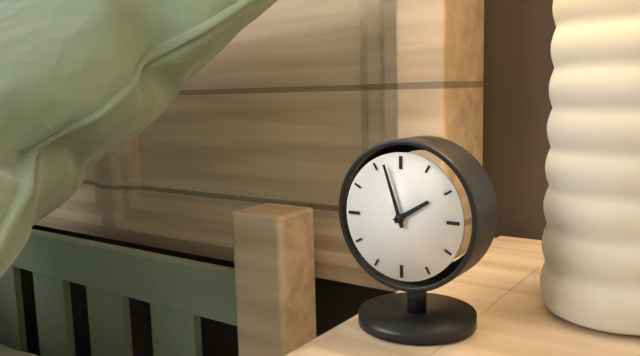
1:57
